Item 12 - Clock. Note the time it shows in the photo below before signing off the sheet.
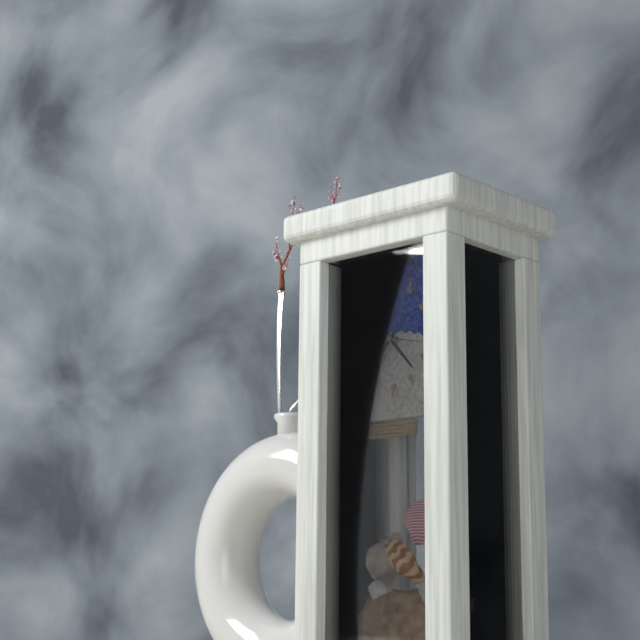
7:23
